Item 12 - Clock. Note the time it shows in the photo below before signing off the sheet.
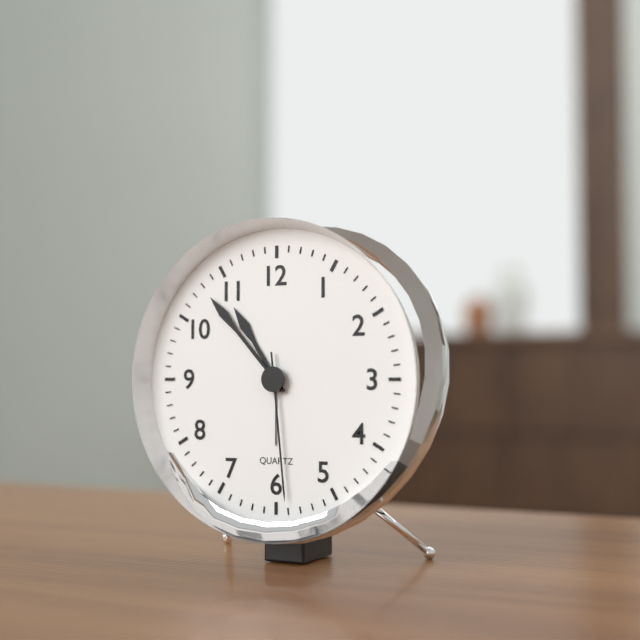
10:53:29
